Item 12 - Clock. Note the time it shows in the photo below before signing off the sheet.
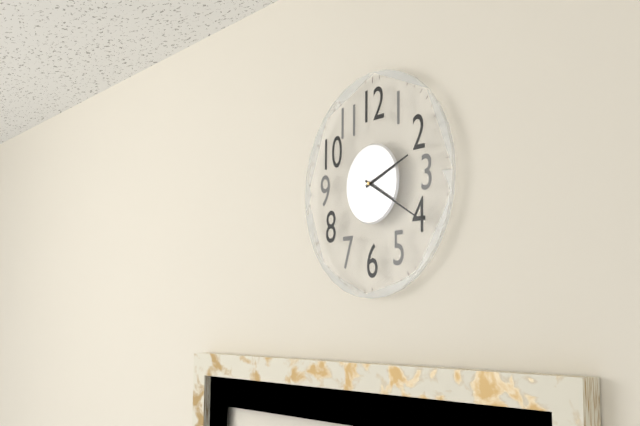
2:20
